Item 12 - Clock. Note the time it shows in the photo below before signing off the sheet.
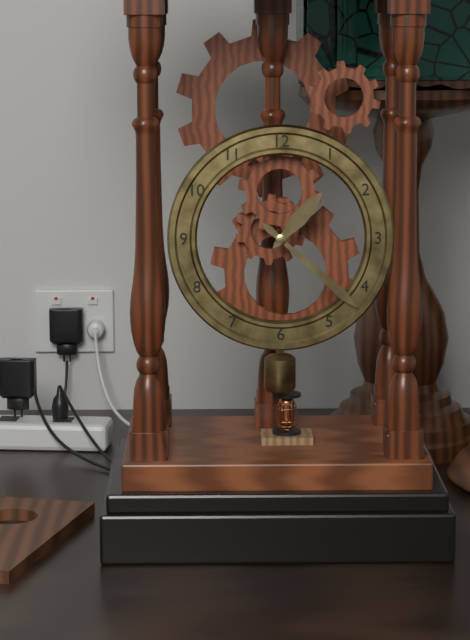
1:22
